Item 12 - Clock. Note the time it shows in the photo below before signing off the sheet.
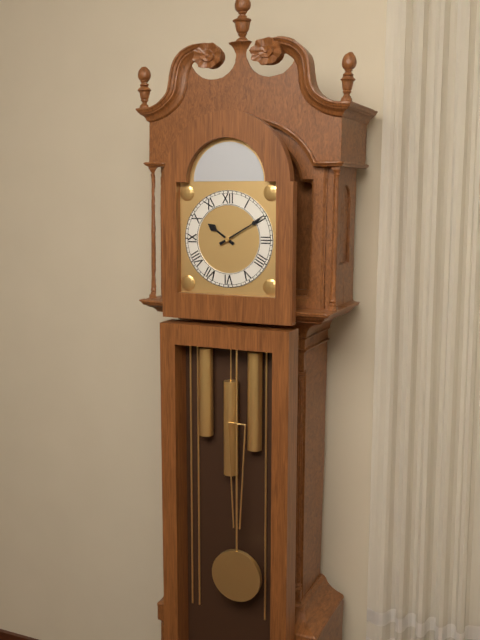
10:10
